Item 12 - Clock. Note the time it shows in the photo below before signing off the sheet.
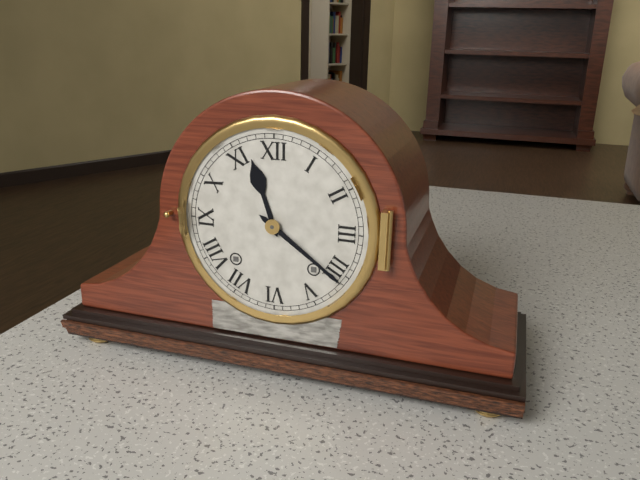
11:21
